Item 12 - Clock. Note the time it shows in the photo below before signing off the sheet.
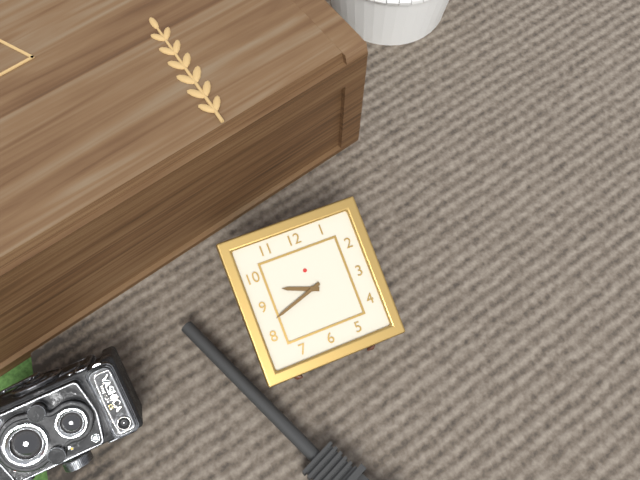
9:42
